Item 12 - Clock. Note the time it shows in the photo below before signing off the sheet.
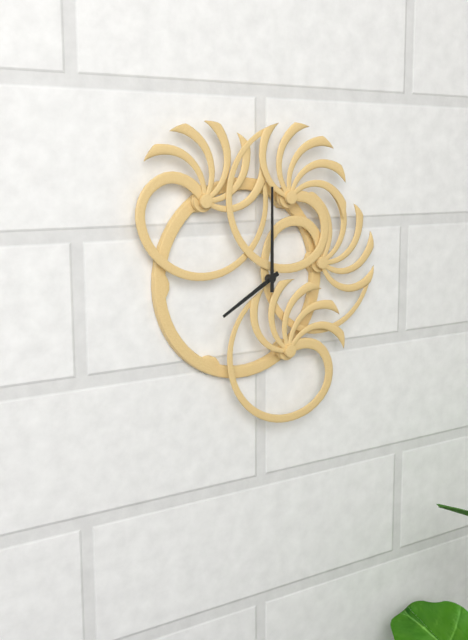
8:00
